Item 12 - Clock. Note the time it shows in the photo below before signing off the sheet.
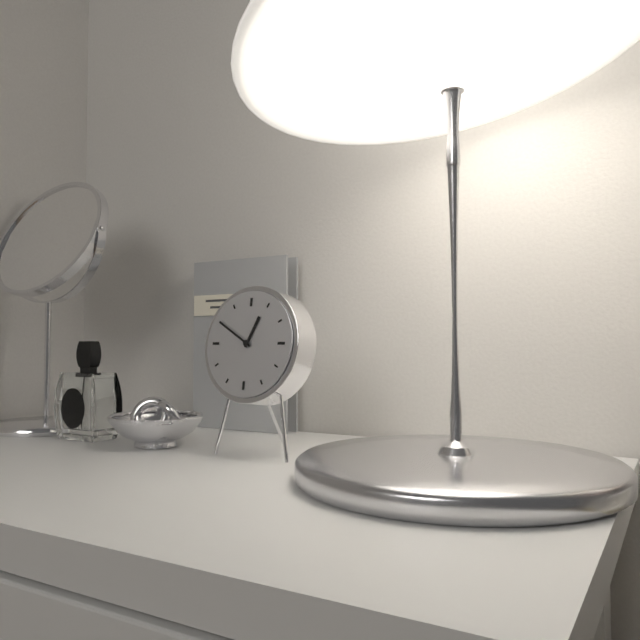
12:50
